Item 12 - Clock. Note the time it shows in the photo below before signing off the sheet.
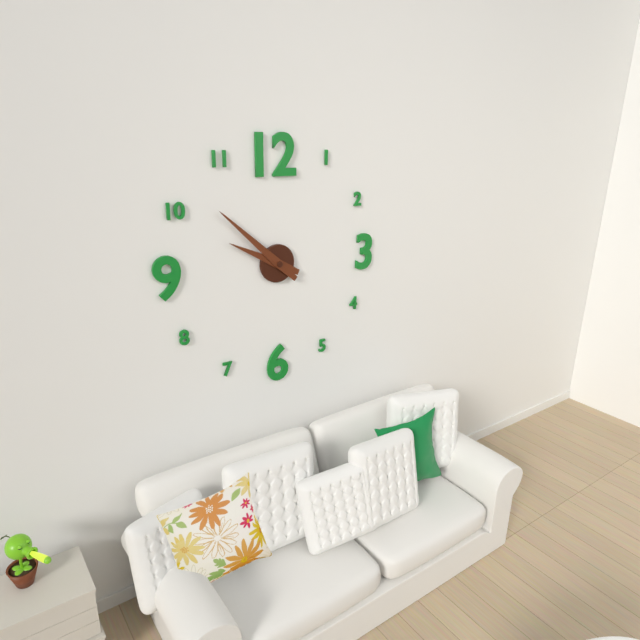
9:52
